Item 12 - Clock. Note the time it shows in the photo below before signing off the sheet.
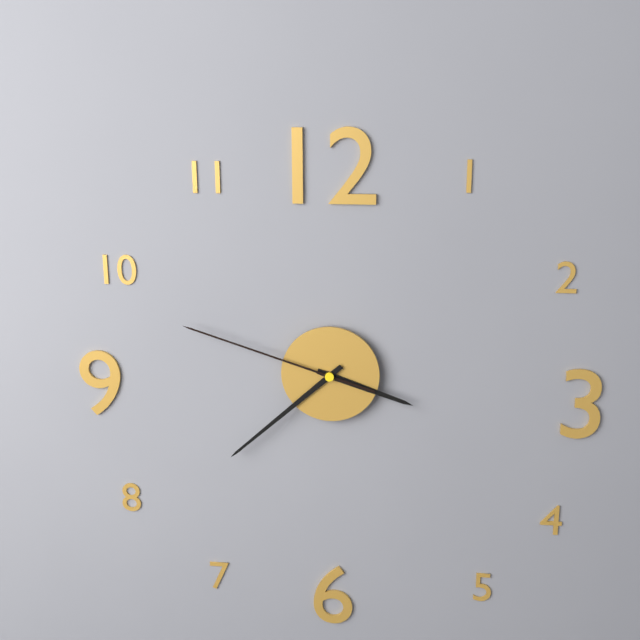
3:38:48
